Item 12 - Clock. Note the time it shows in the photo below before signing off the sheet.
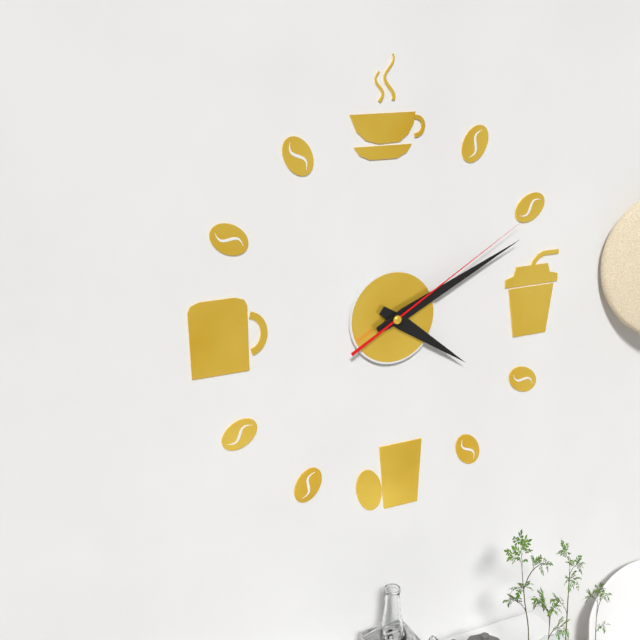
4:11:10
